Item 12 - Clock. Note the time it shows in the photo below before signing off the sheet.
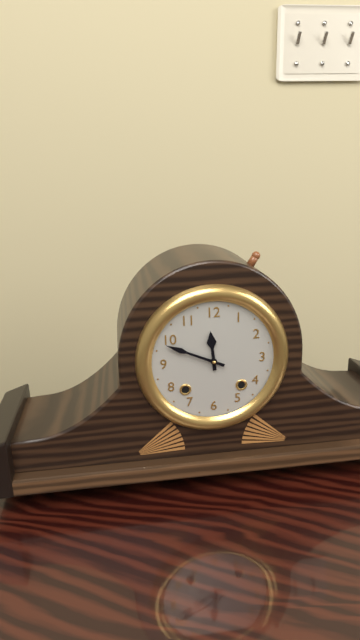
11:49
